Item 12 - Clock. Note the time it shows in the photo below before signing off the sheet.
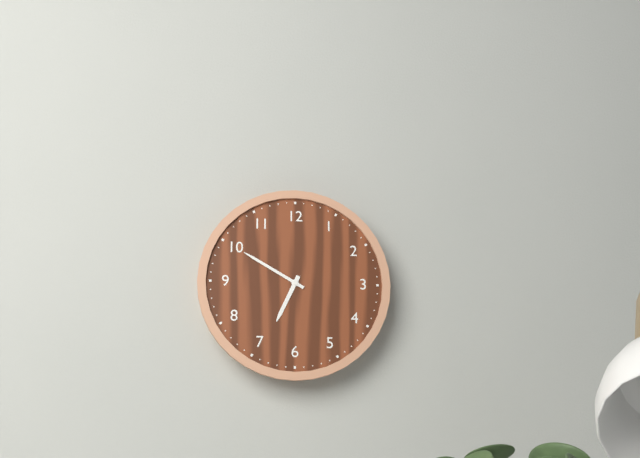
6:50
